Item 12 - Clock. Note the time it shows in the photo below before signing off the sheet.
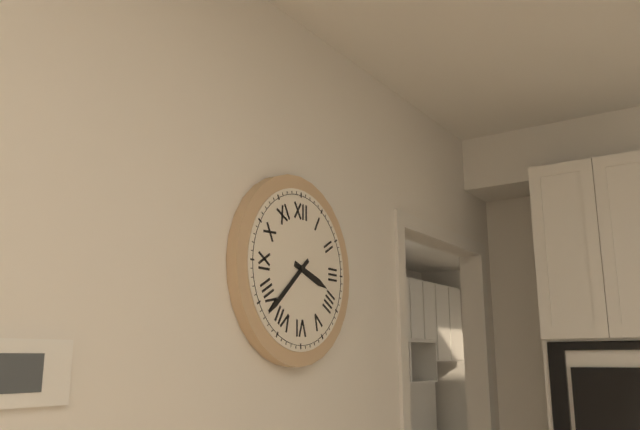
3:38
